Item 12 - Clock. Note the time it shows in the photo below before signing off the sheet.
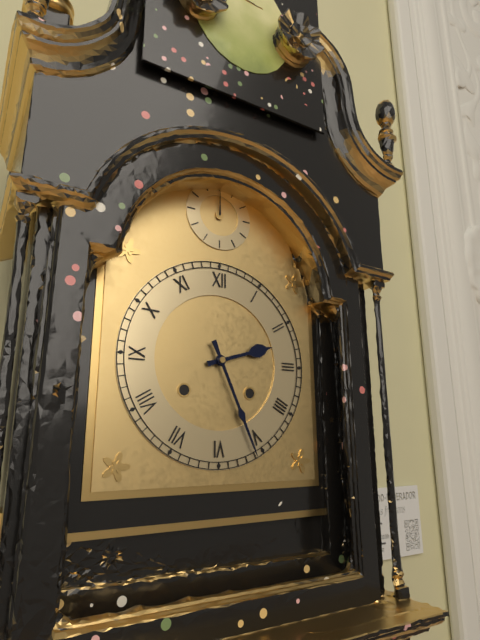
2:26
